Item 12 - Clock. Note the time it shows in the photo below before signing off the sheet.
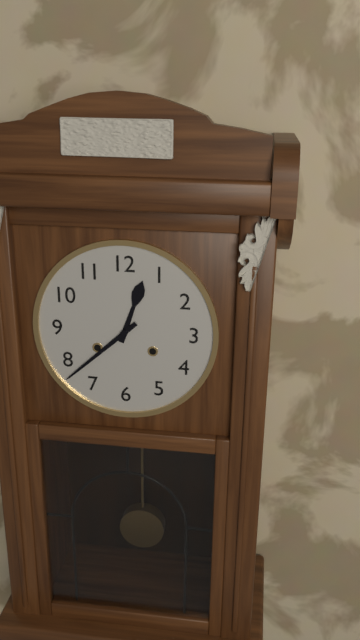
12:38
